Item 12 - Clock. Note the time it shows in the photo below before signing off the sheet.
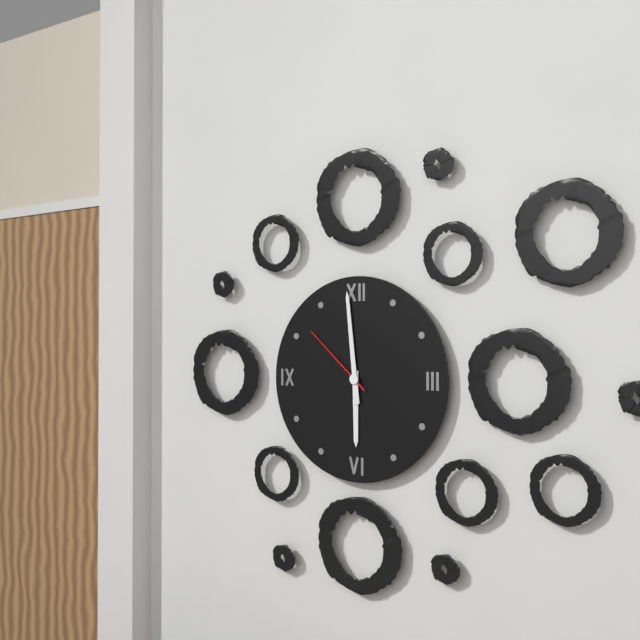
5:59:52
